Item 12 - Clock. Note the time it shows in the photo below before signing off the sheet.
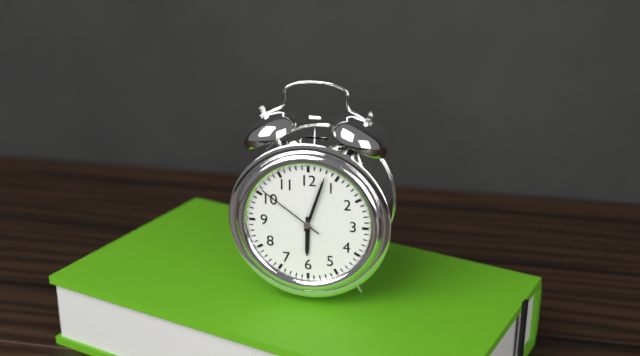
6:03:51
